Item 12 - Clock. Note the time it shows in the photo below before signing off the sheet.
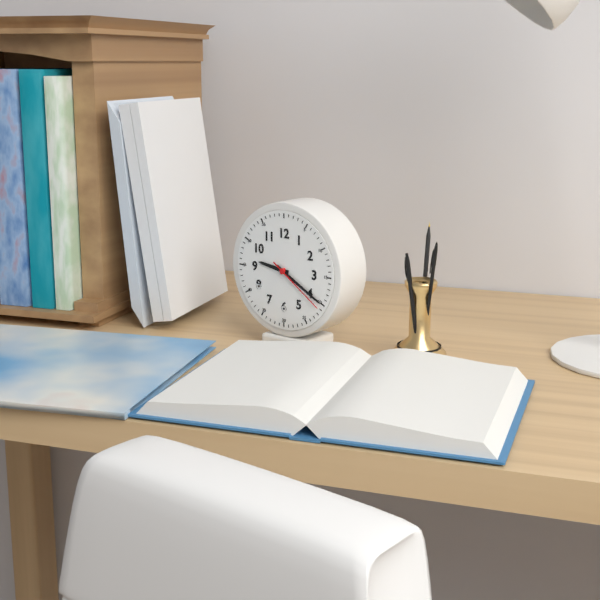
9:20:21
